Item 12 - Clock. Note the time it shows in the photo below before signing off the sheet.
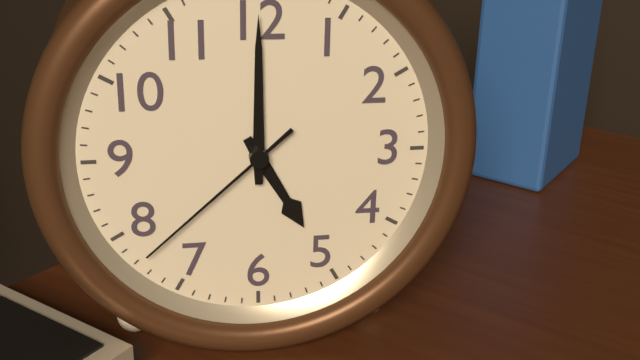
5:00:38
